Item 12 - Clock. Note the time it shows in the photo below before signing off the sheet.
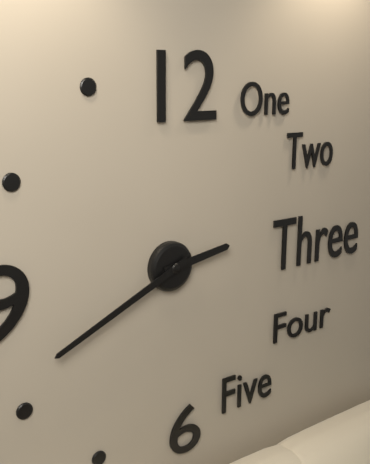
2:41
